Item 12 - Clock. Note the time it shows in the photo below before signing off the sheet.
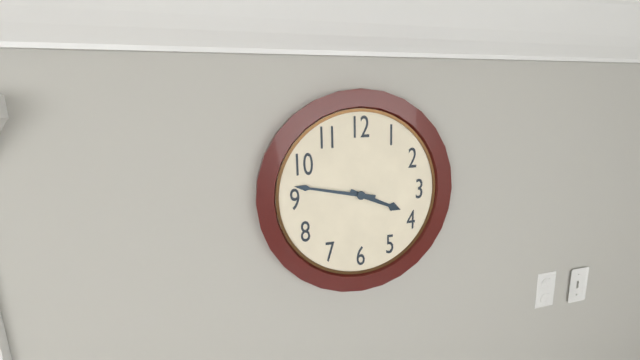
3:47
